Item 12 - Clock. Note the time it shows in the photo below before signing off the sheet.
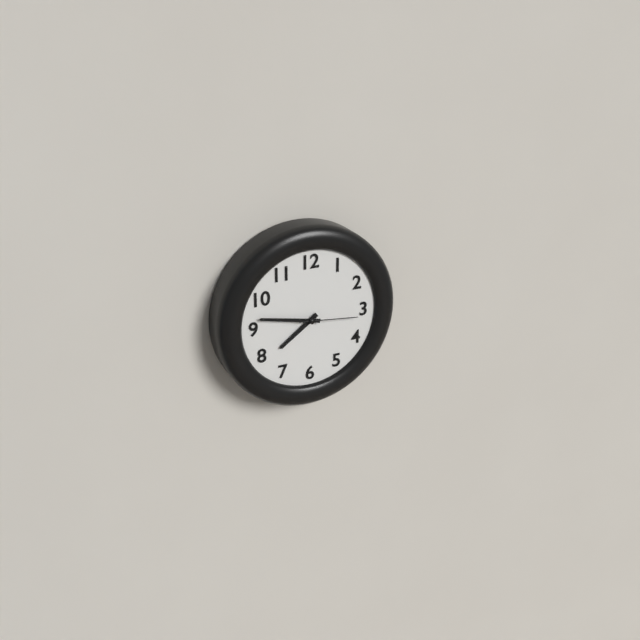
7:47:16
